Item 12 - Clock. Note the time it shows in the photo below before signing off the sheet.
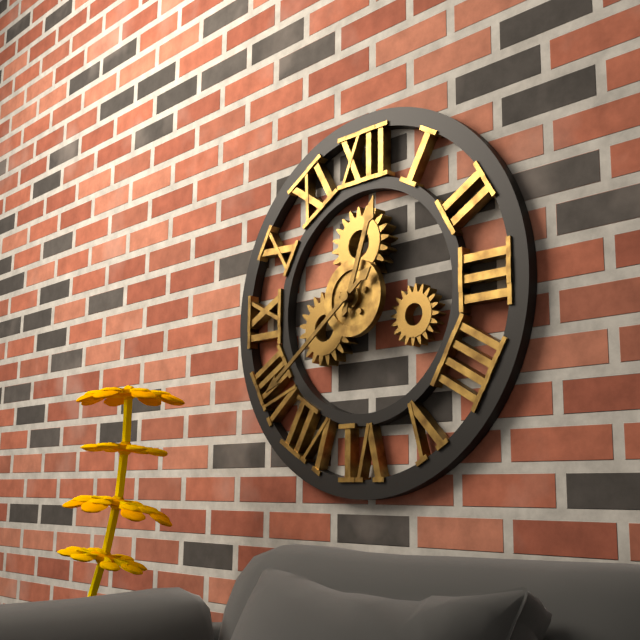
12:39
